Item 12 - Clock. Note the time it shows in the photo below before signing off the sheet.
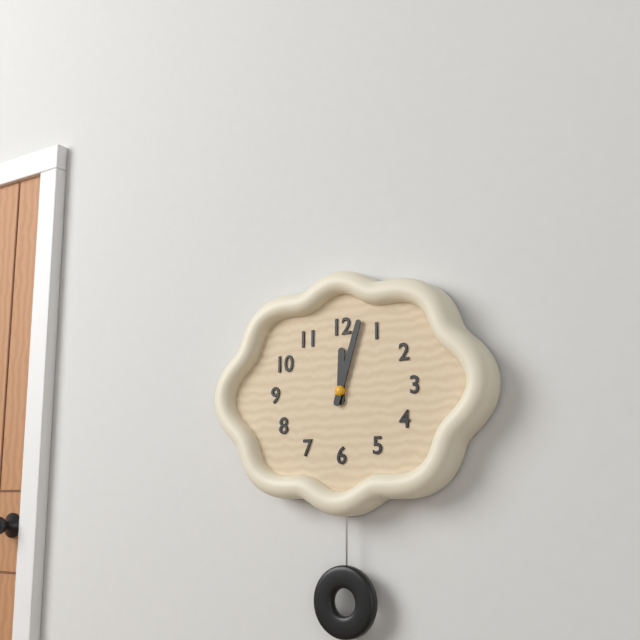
12:03
